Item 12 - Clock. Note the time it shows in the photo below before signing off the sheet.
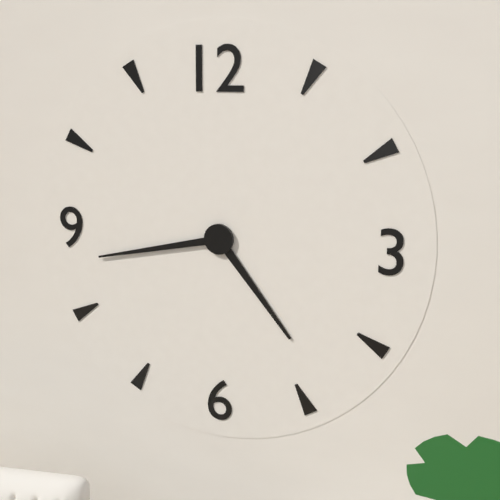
4:43
